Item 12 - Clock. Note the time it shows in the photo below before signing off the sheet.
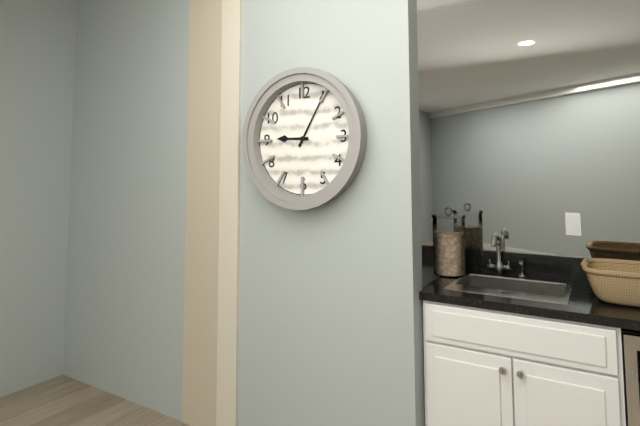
9:05
